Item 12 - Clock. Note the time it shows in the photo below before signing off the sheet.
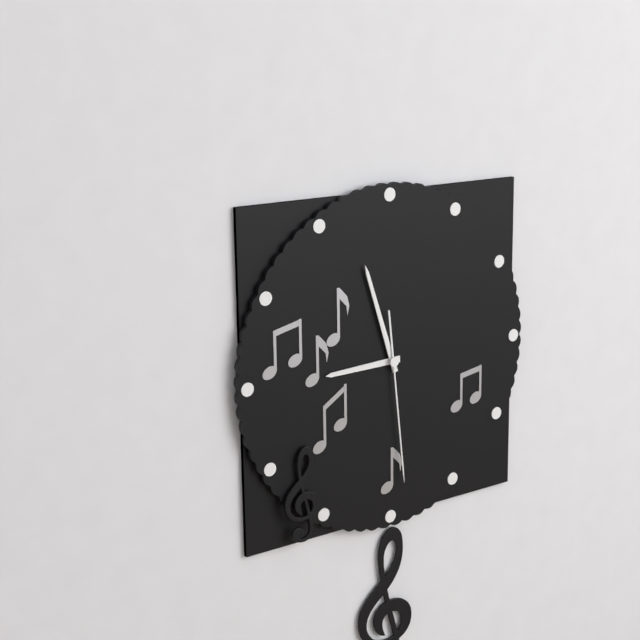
8:57:29
